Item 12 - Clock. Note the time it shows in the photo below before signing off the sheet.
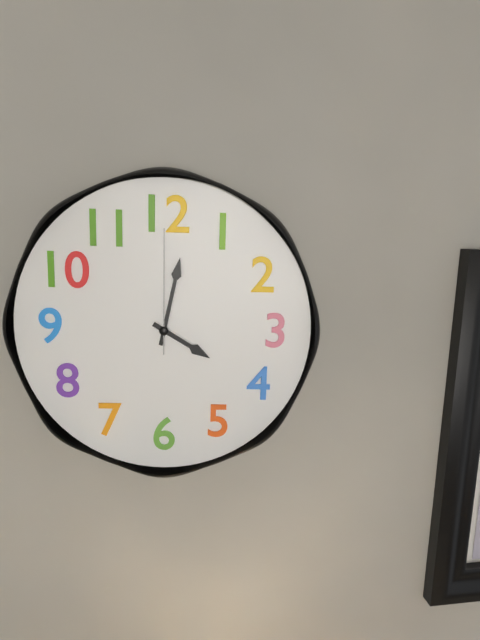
4:02:00
